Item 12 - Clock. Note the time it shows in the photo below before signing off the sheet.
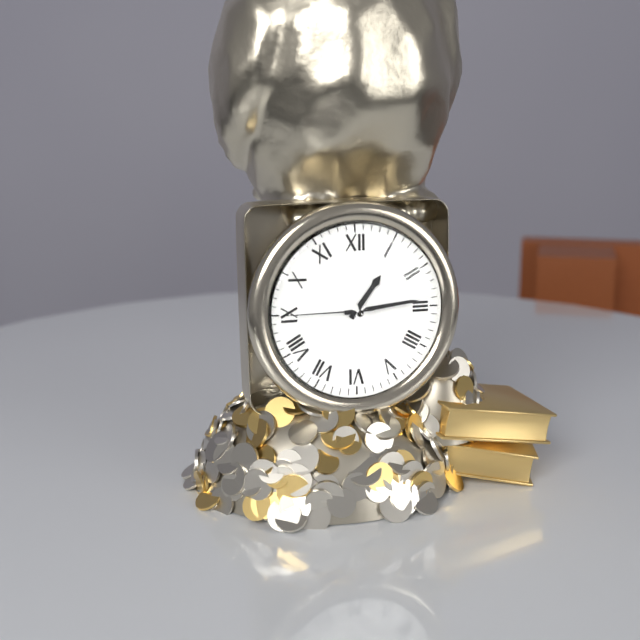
1:14:45
